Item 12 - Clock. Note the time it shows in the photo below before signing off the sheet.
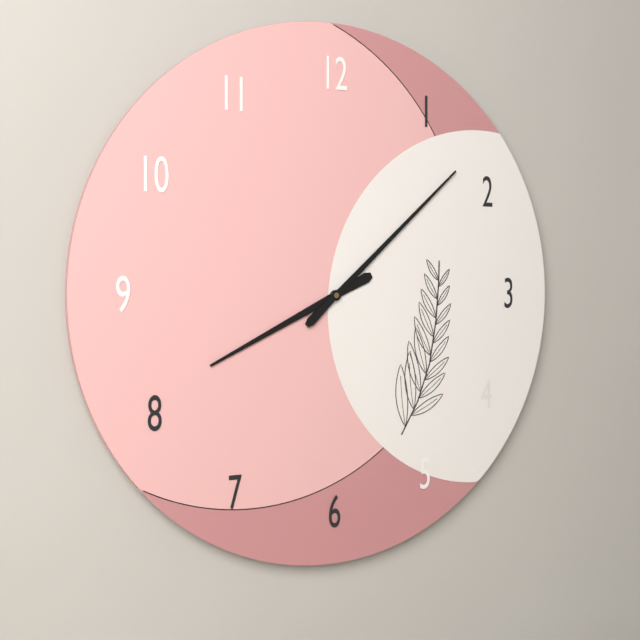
8:08
